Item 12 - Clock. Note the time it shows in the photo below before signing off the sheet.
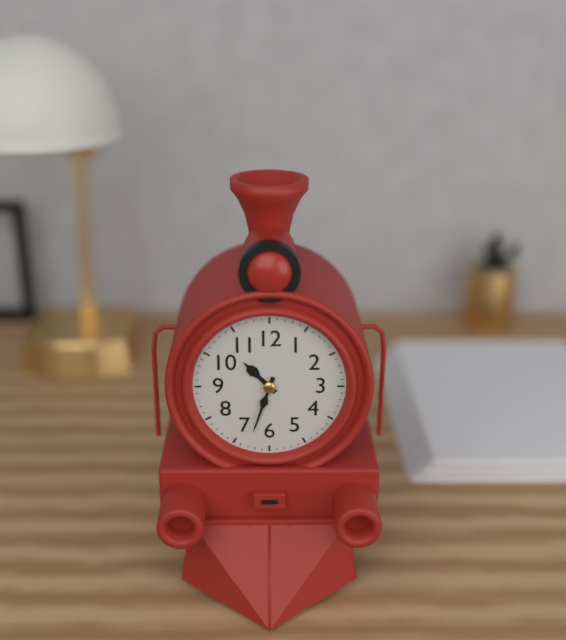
10:33
